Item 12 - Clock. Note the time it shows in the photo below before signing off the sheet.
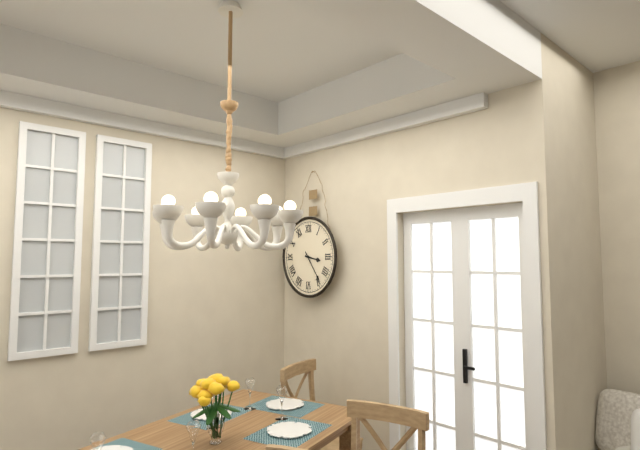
3:24
